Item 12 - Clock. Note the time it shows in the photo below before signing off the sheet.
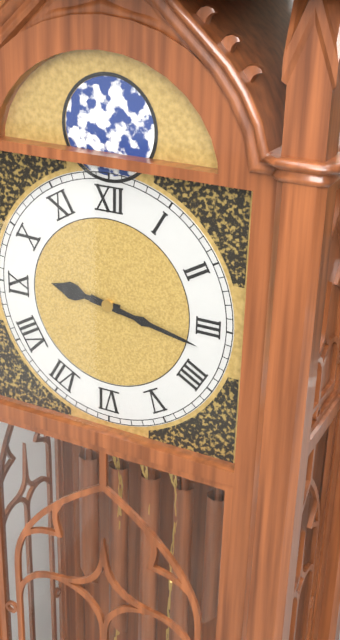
9:17
